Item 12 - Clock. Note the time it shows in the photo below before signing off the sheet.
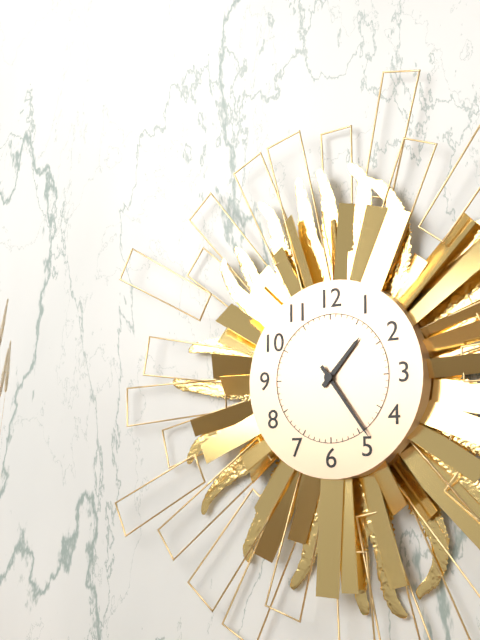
1:24
